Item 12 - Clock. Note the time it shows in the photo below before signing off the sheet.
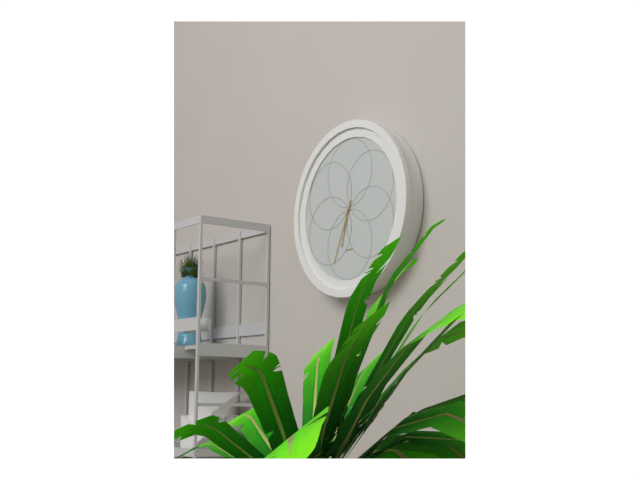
6:34
